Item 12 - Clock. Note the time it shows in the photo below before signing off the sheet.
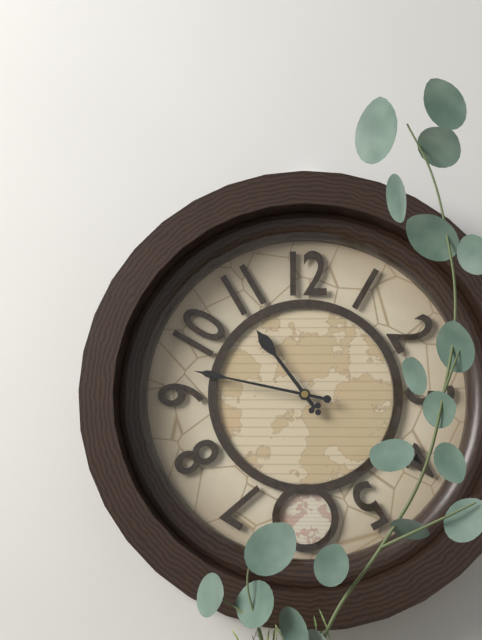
10:47
